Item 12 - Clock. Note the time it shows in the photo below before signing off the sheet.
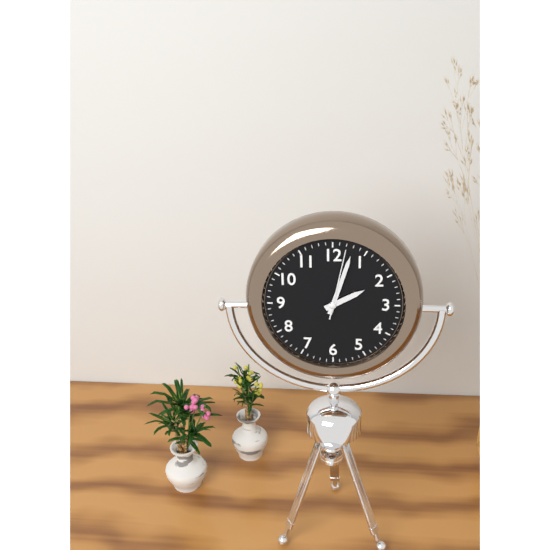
2:03:02
